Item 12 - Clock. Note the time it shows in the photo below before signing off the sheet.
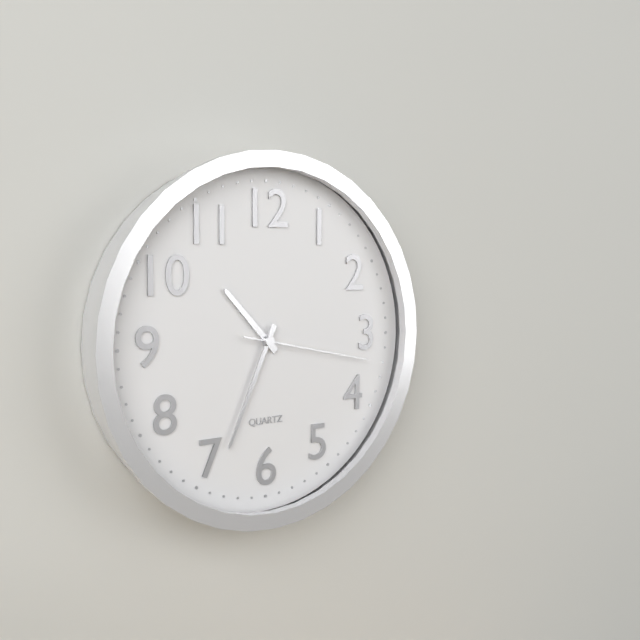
10:34:17
